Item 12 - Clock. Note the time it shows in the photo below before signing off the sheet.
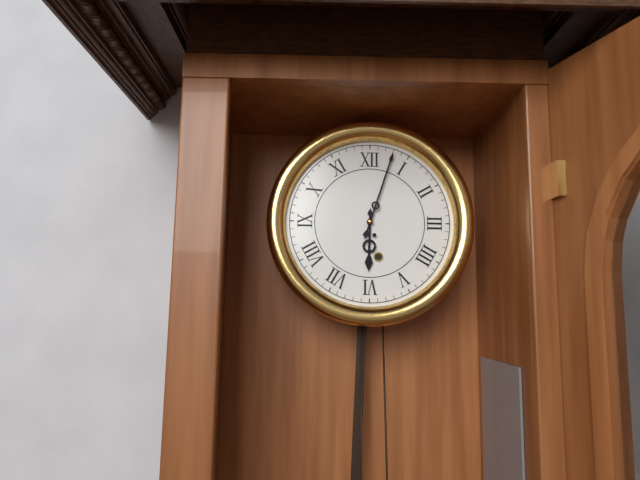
6:03
